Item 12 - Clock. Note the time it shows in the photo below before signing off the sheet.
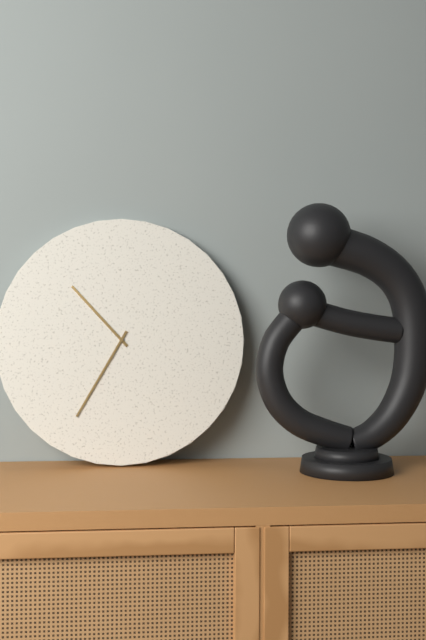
10:35
